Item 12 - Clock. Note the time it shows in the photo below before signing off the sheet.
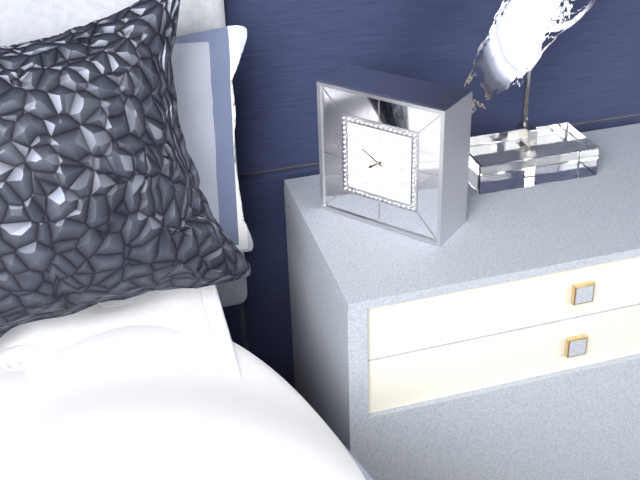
7:50
